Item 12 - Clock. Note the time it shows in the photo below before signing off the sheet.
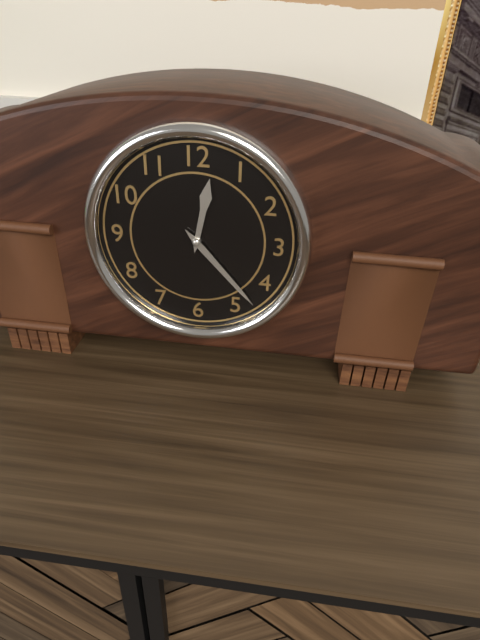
12:23
